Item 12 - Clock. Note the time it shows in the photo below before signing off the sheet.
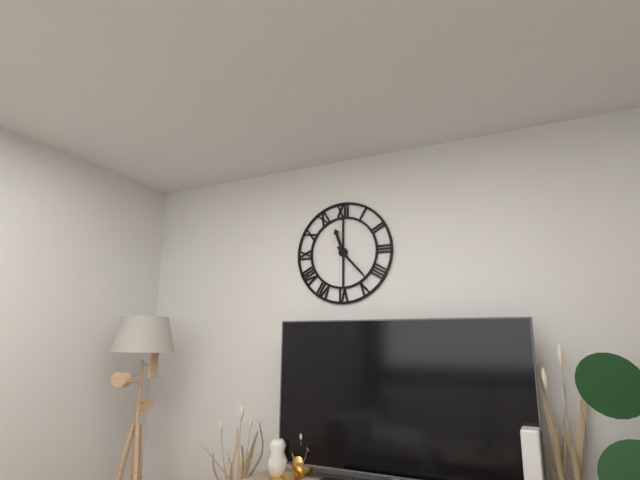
11:23
